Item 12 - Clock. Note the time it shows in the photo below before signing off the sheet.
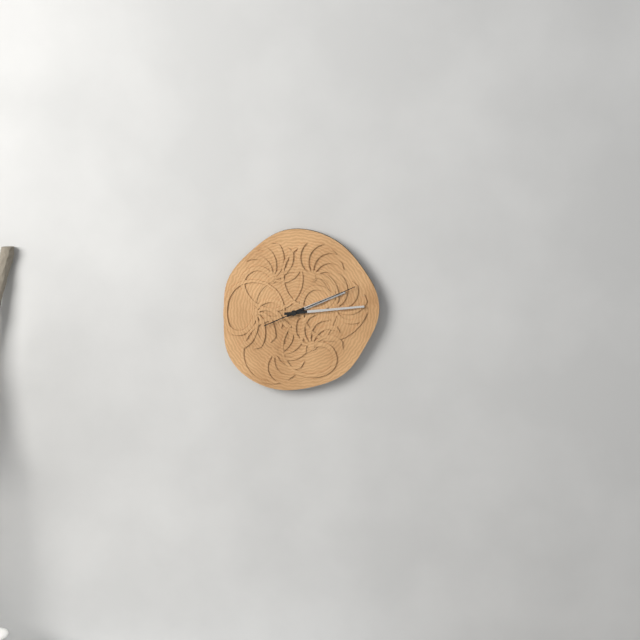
2:14:11
